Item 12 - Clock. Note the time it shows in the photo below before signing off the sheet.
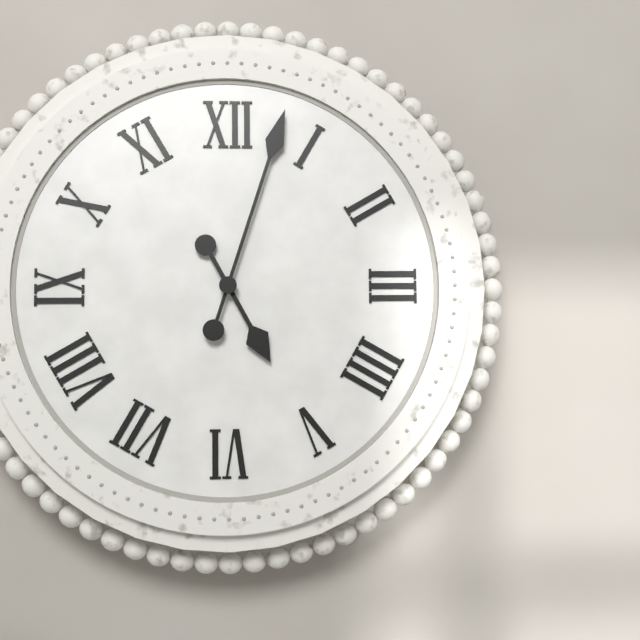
5:03
